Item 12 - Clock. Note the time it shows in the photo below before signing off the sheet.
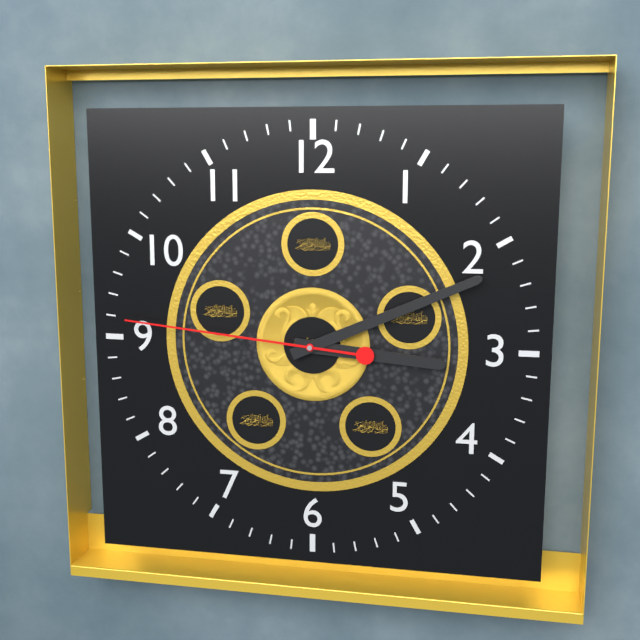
3:11:46
